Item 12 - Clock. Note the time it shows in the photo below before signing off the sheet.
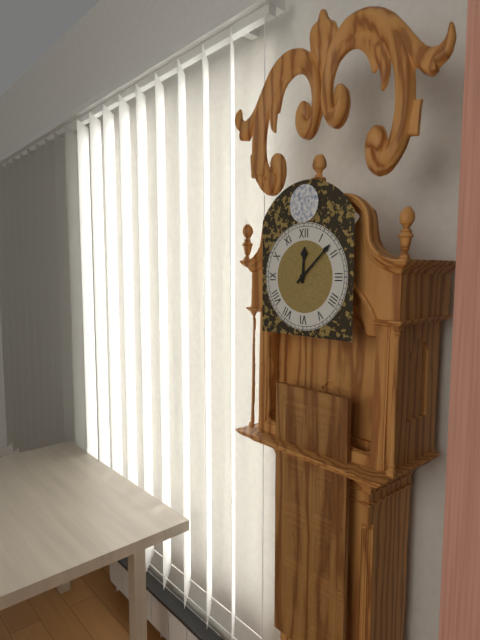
12:08
